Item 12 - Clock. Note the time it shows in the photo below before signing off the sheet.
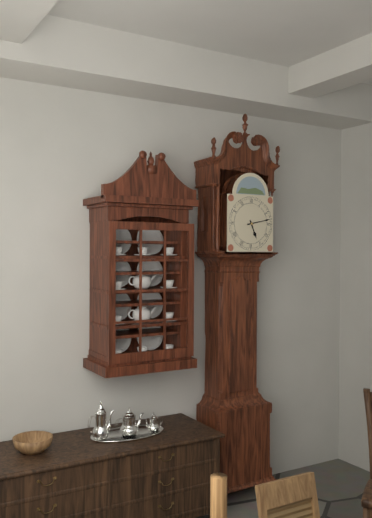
5:13
